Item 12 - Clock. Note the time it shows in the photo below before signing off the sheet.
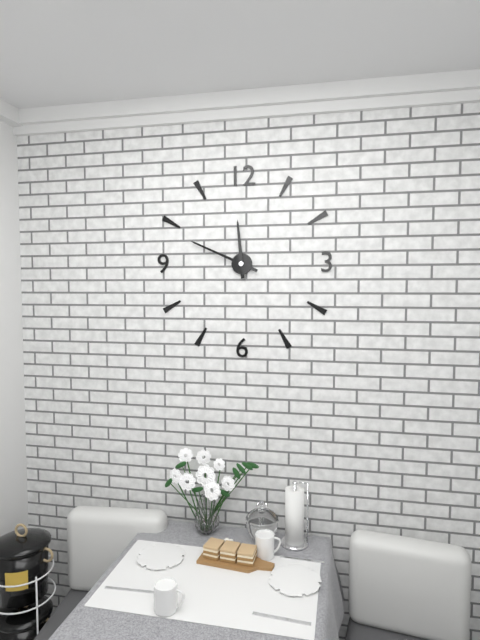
11:49
